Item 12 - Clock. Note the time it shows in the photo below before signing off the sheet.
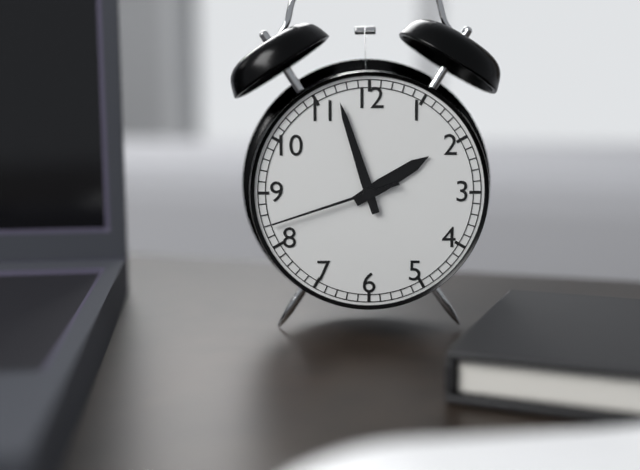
1:57:42
